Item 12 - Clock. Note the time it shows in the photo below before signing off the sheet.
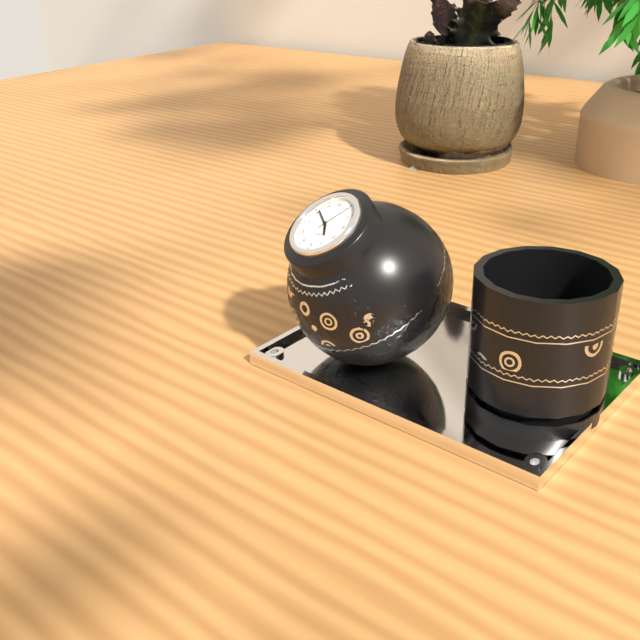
4:51:06
